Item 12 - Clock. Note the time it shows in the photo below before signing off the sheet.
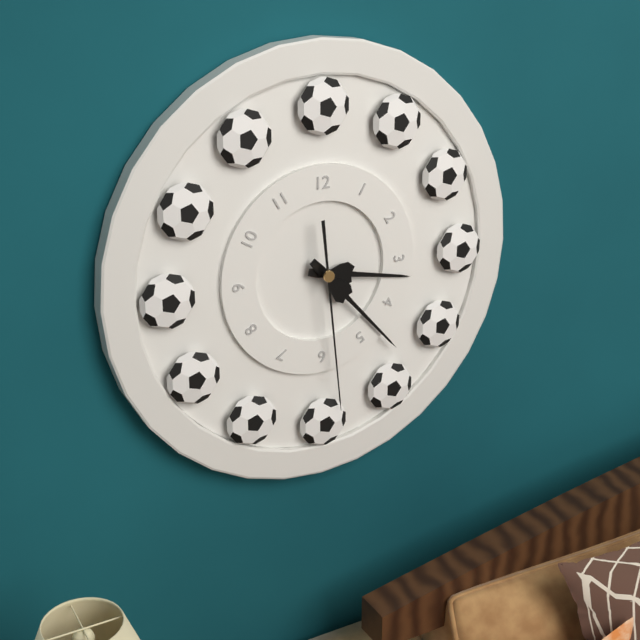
3:23:29
